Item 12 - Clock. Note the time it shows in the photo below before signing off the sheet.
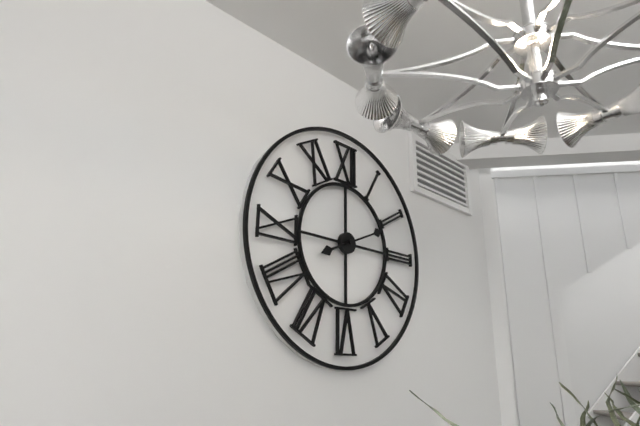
8:11
